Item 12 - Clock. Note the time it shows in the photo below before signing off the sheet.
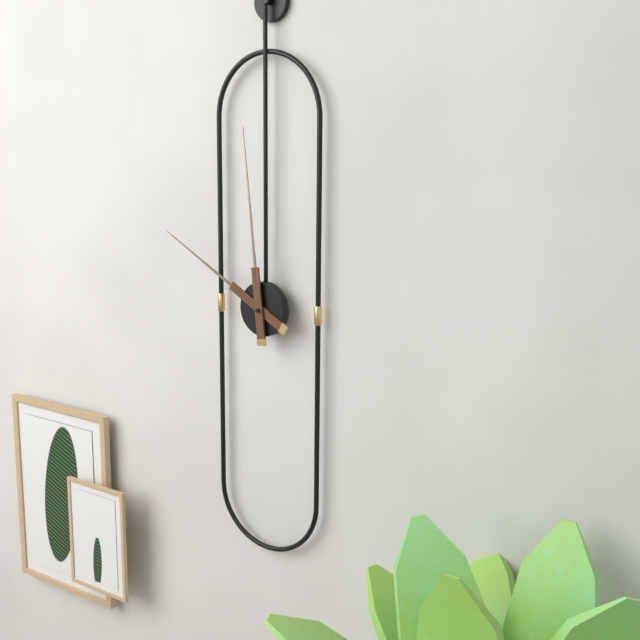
9:59
